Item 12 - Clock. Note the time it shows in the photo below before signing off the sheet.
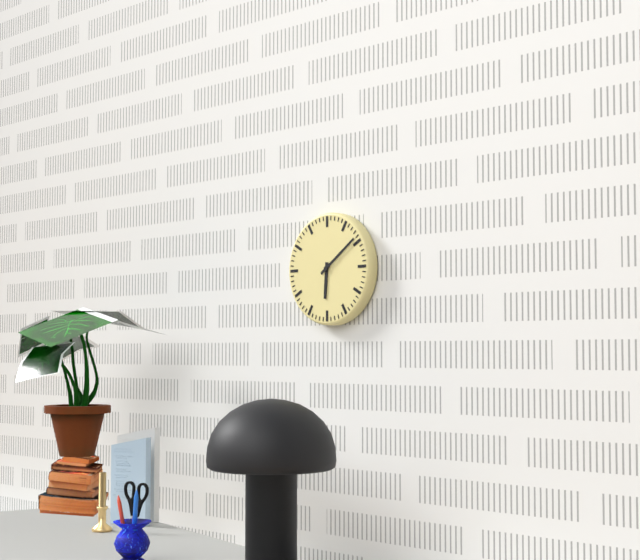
6:09
